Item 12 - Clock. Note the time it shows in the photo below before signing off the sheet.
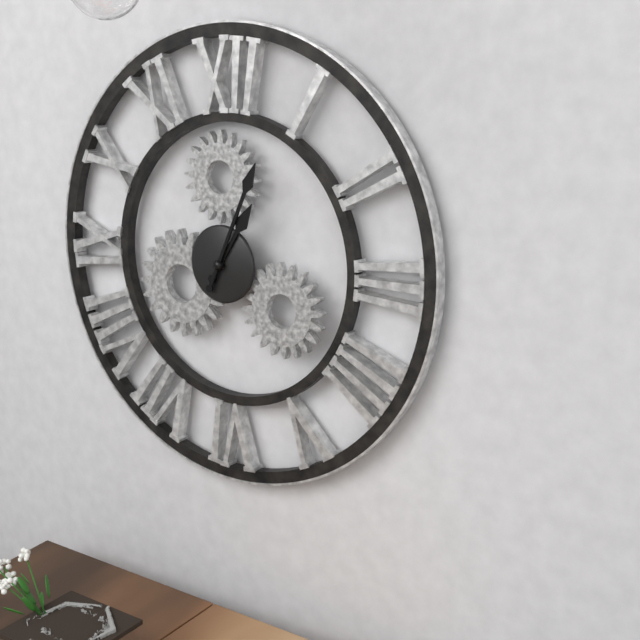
1:04
